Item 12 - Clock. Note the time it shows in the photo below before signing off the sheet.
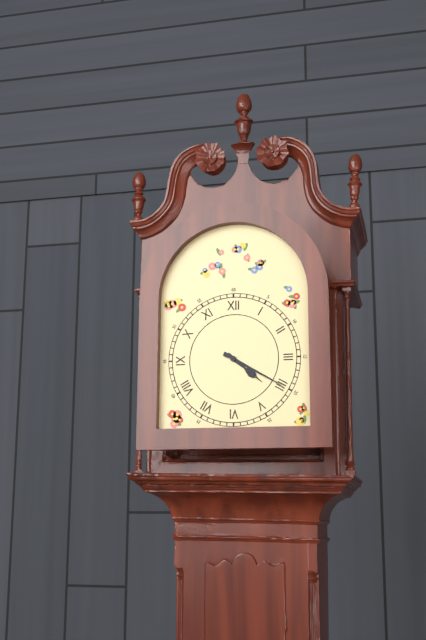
4:20
